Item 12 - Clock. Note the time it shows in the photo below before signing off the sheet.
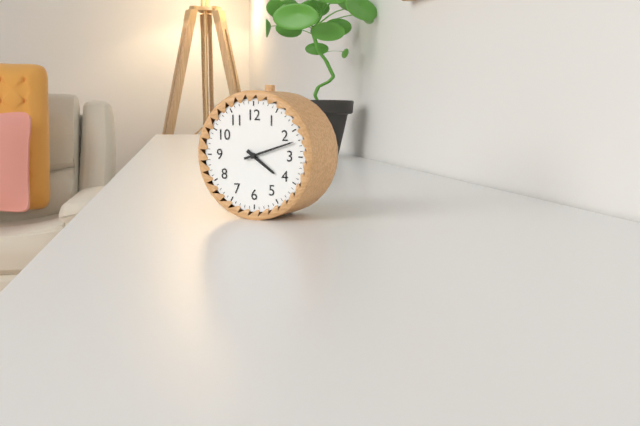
4:12
